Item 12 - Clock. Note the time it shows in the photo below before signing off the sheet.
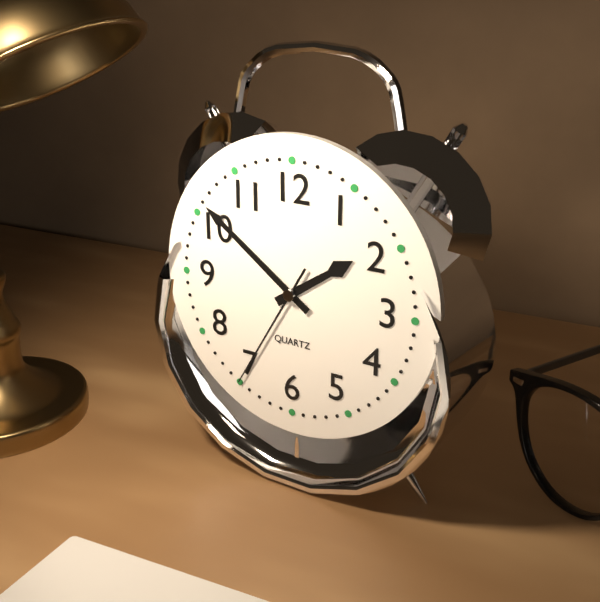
1:51:35
